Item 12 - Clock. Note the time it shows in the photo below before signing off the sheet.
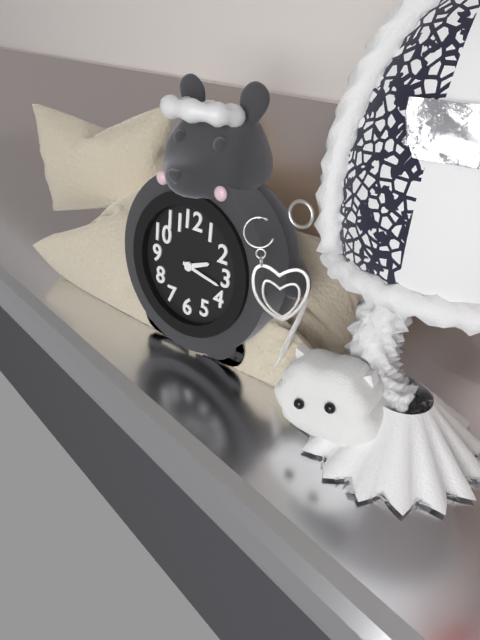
2:17
